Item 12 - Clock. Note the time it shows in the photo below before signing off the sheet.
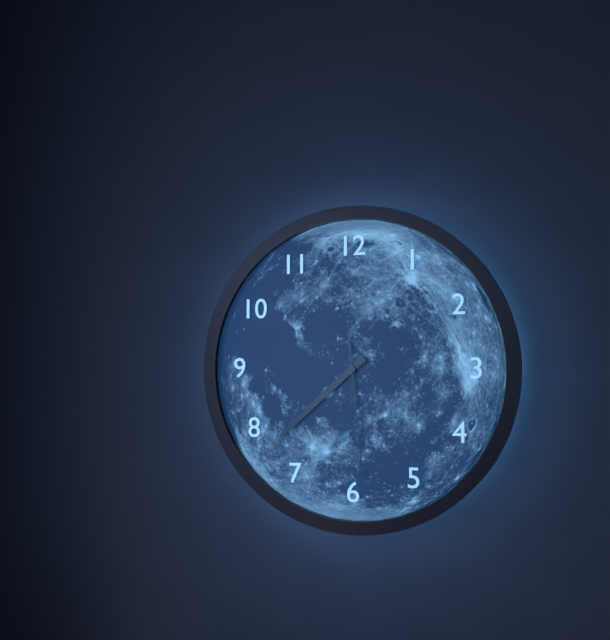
7:38:29
